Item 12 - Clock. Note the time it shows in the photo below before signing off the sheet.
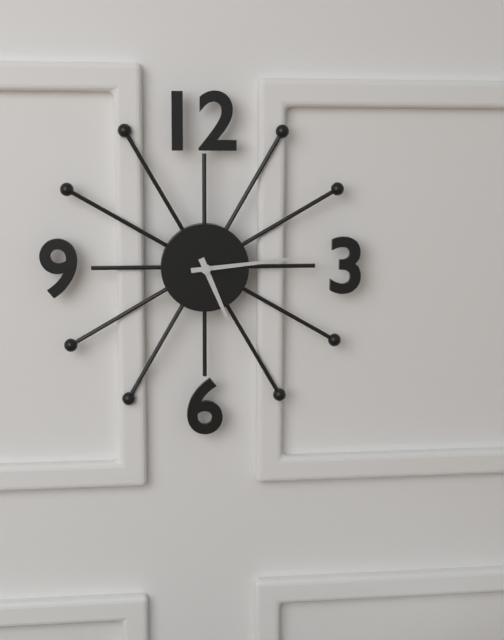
5:14
